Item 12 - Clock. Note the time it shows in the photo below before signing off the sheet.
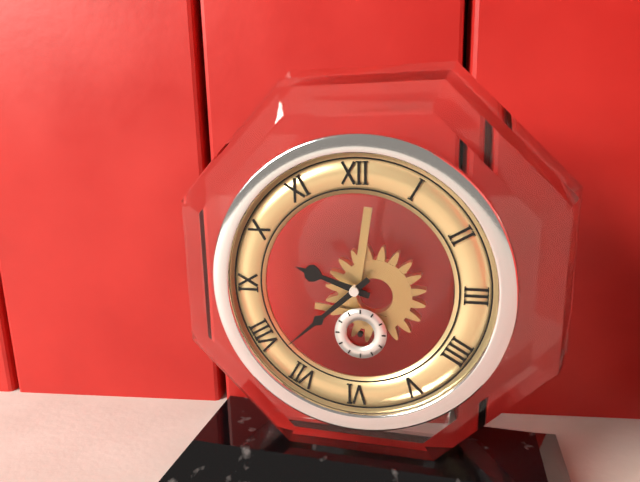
9:38
